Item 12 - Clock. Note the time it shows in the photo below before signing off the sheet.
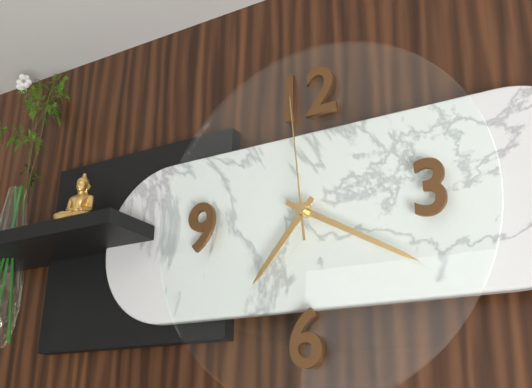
7:20:59
